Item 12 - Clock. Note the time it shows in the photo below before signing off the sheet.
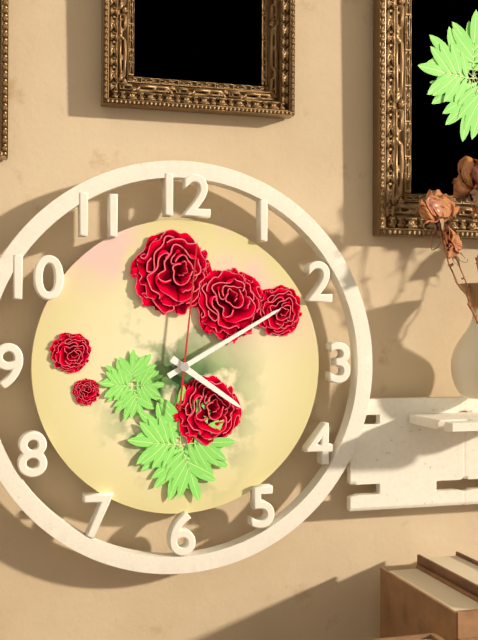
4:10:01
